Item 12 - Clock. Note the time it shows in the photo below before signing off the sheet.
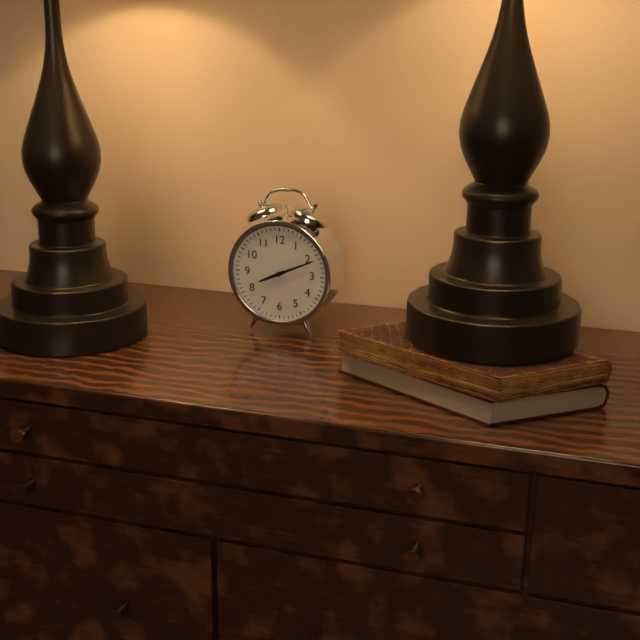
8:11
